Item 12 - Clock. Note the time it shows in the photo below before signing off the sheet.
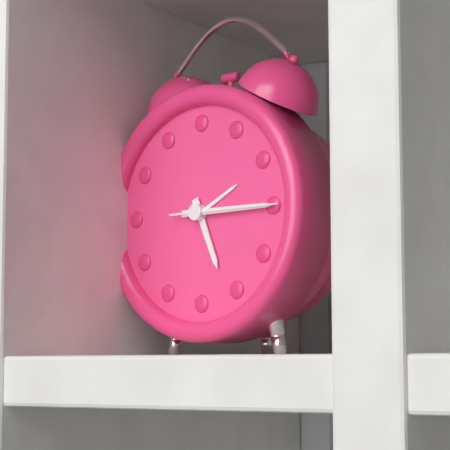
5:15:15
